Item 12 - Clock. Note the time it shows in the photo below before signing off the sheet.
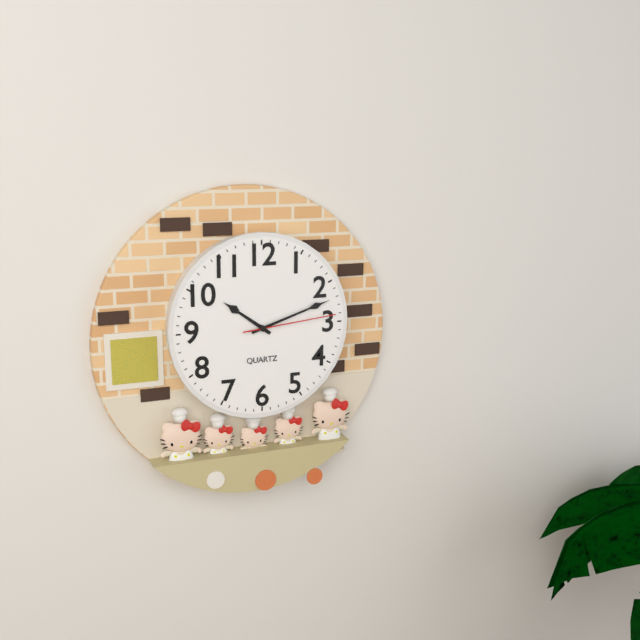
10:12:14
